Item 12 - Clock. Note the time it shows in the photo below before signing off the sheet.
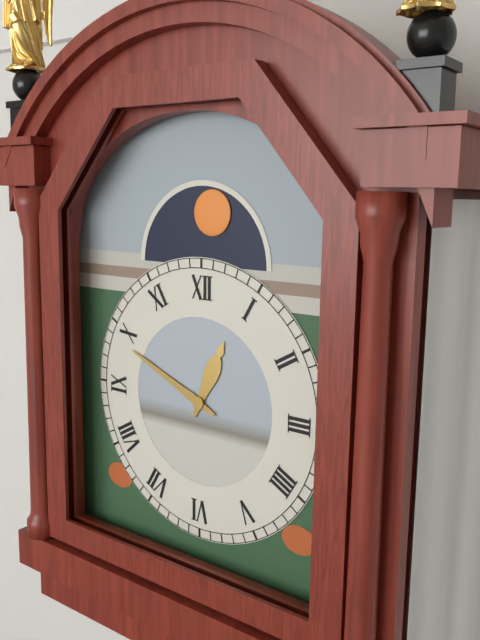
12:49
